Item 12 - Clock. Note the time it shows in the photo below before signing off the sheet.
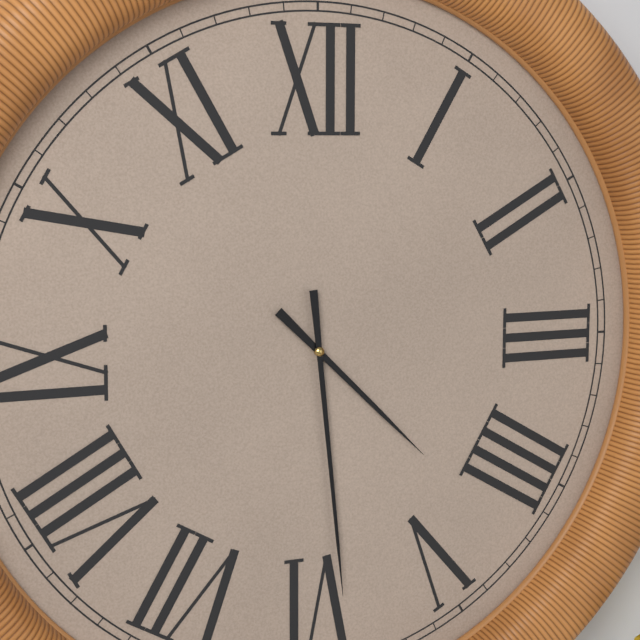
4:29
